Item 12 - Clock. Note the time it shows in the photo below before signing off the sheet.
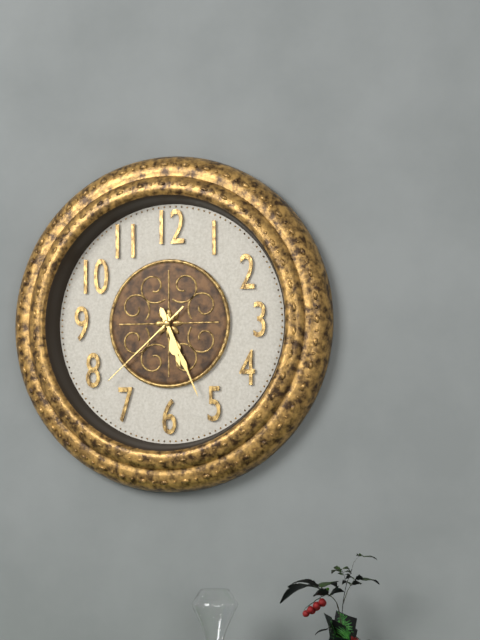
5:26:38
